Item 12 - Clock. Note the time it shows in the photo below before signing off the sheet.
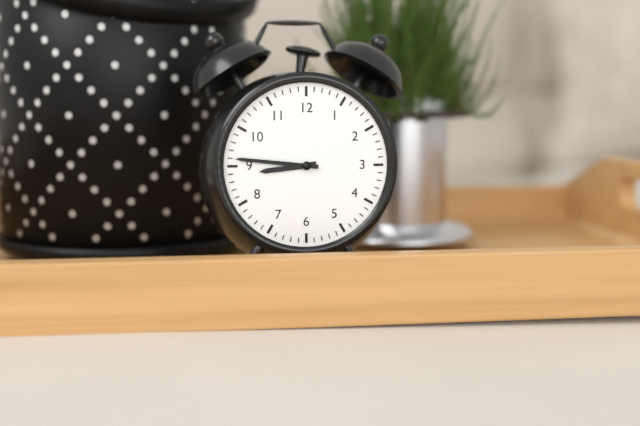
8:46
